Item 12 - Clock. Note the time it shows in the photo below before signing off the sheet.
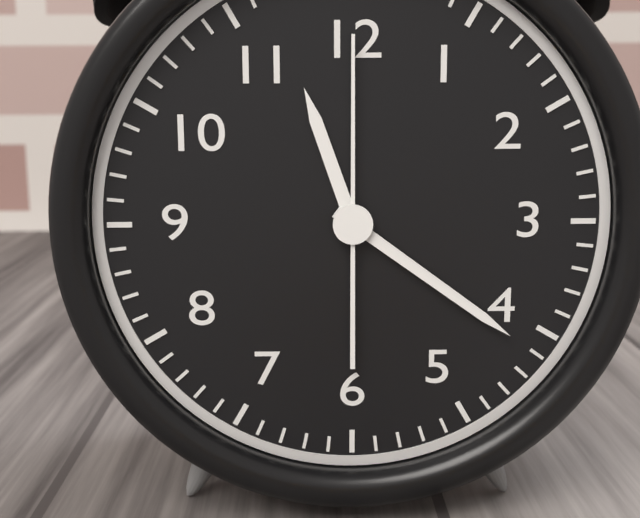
11:21:00
